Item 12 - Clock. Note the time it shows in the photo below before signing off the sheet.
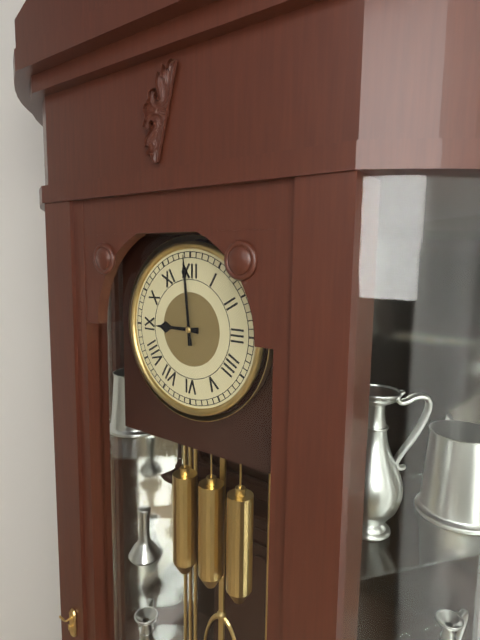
8:59
